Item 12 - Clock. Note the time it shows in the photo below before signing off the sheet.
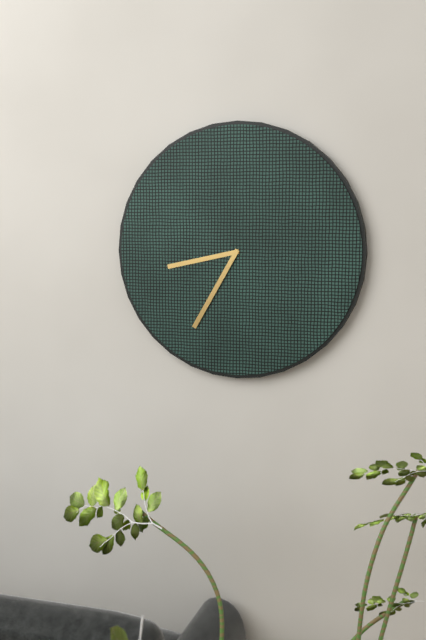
8:35
